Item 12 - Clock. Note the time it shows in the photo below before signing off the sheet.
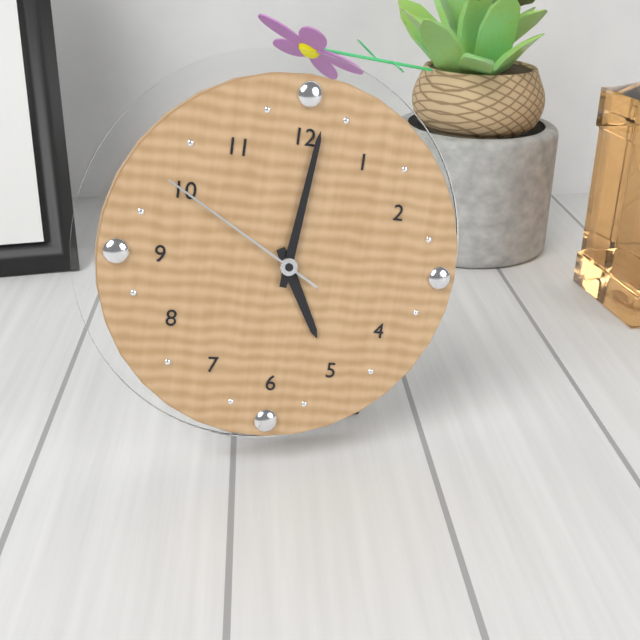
5:01:50
